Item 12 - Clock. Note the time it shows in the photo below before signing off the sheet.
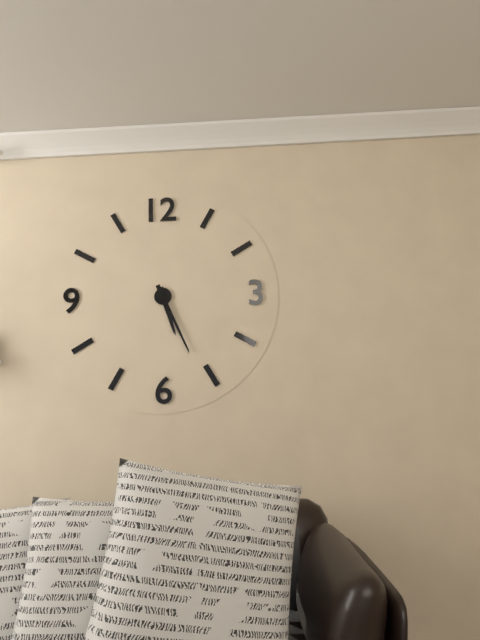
5:26
